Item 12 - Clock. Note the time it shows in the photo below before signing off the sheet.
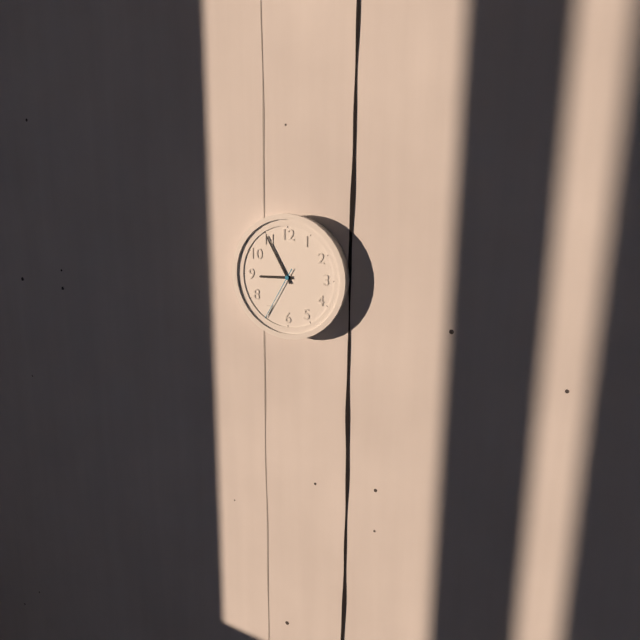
8:55:35
